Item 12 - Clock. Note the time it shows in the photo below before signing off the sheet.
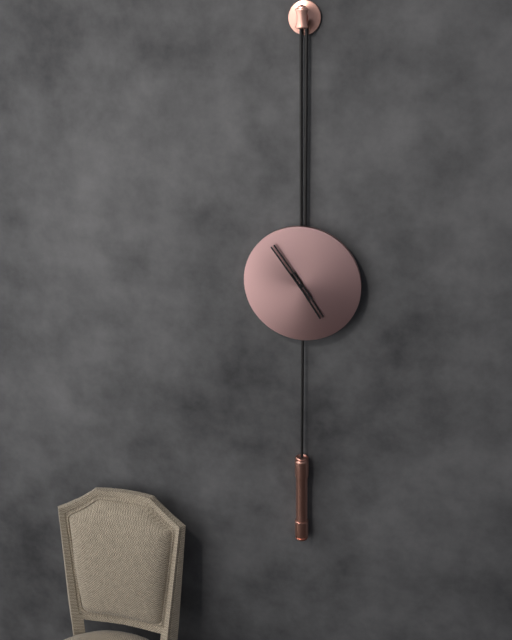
4:54
